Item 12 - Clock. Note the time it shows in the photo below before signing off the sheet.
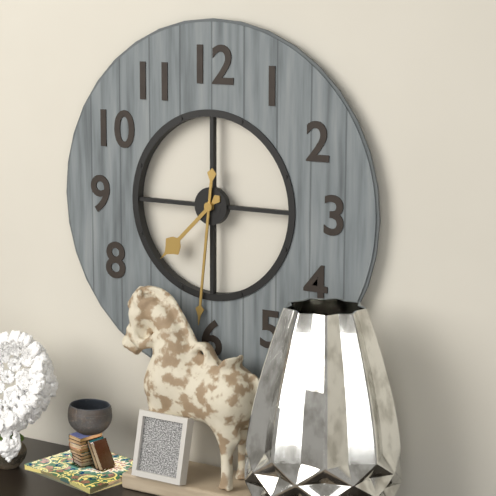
7:31
